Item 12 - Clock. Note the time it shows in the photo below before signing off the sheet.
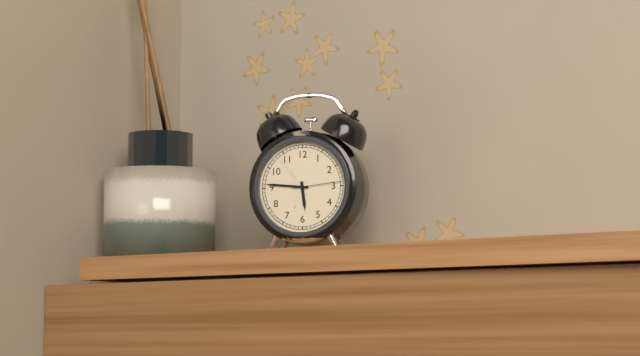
5:46
